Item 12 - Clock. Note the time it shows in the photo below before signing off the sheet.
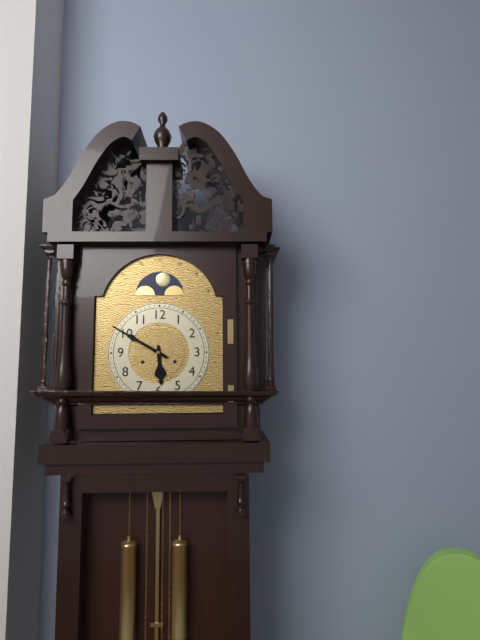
5:50
